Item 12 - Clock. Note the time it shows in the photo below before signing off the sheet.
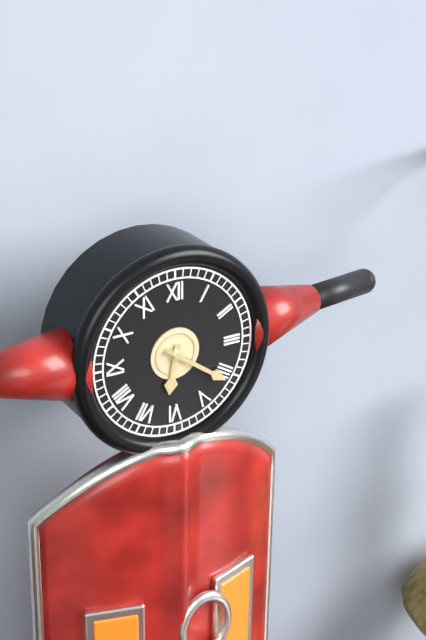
6:21
